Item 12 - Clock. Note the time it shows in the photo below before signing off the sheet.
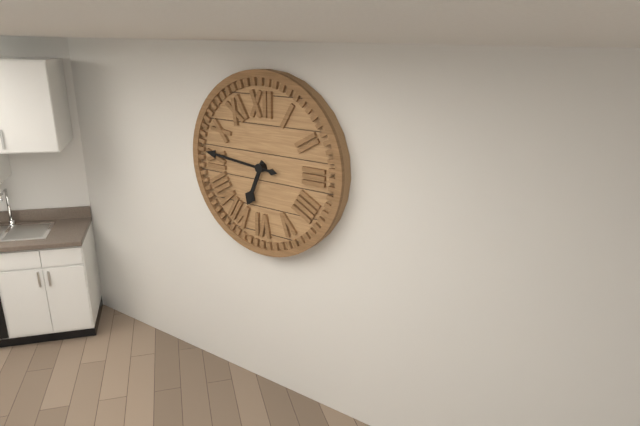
6:46
